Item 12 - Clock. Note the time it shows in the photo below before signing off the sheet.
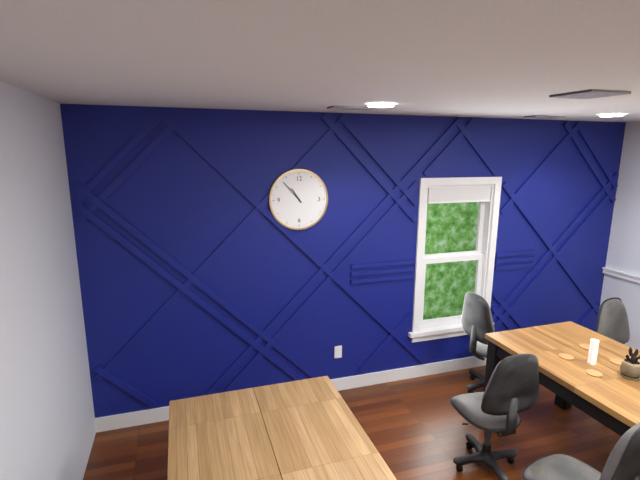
10:53
